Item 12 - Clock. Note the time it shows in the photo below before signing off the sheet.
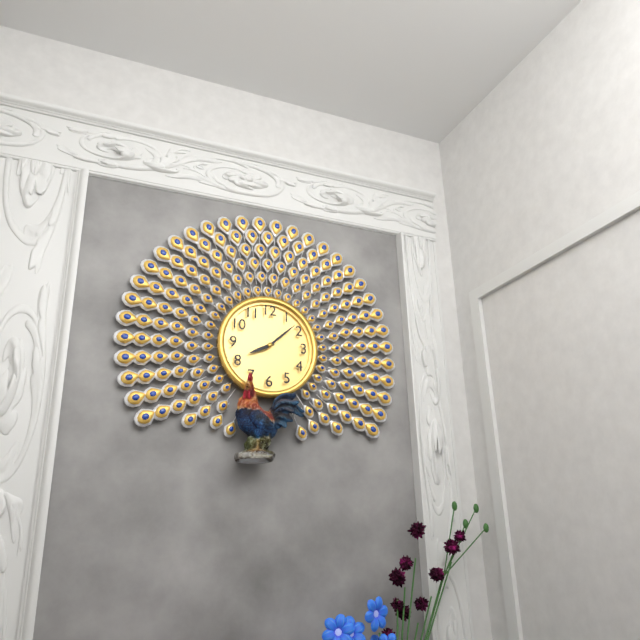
8:08
